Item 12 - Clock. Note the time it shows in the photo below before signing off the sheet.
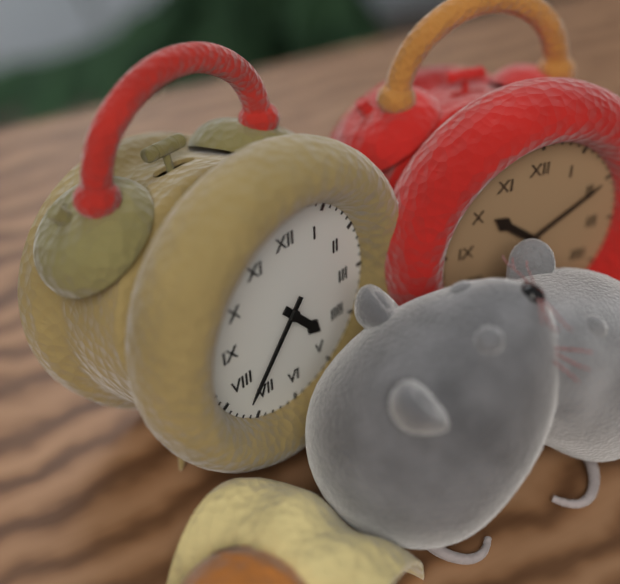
4:37
